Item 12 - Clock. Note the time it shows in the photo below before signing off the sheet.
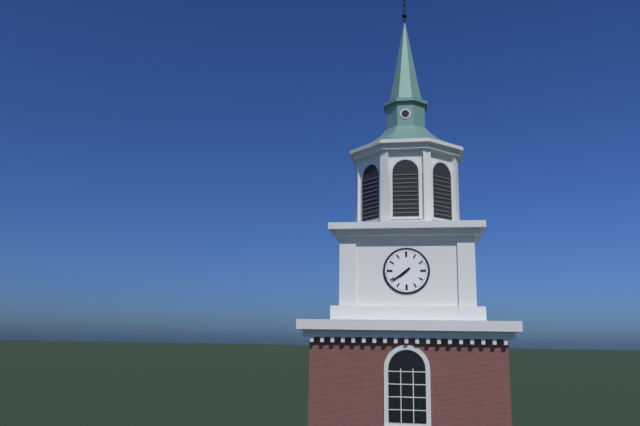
7:39
